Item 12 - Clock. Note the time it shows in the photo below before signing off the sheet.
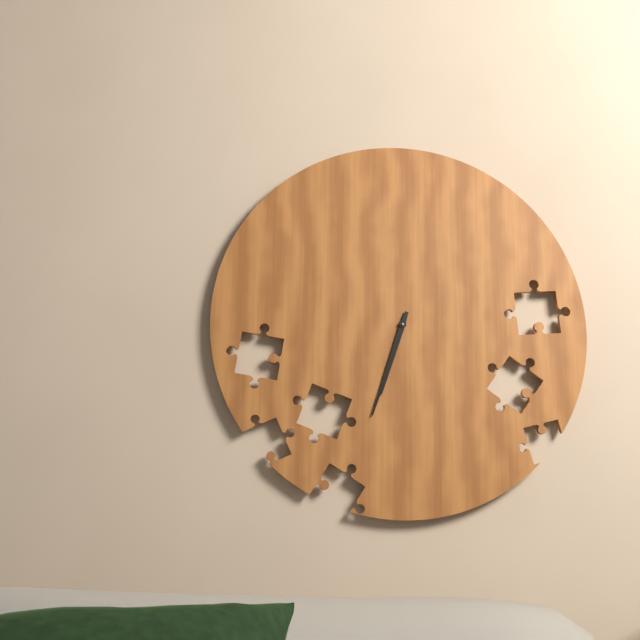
6:33
